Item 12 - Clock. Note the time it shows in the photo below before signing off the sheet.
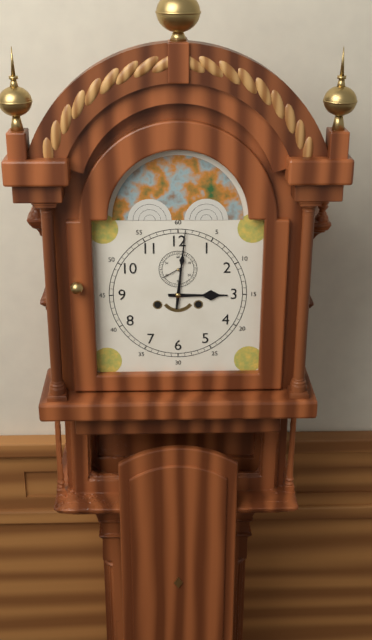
3:01
